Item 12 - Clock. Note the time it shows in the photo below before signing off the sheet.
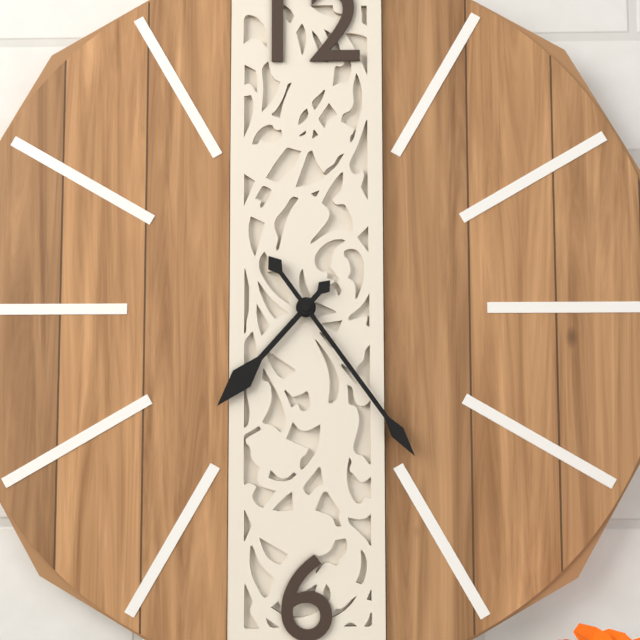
7:24
